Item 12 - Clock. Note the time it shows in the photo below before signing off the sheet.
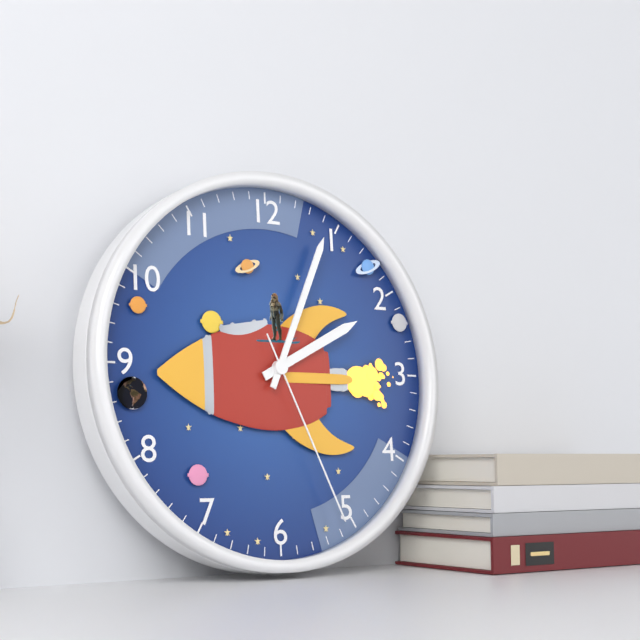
2:04:26
